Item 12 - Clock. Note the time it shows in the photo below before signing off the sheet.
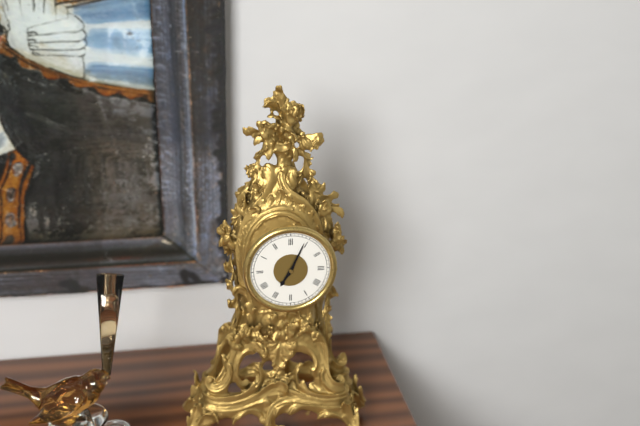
7:04
